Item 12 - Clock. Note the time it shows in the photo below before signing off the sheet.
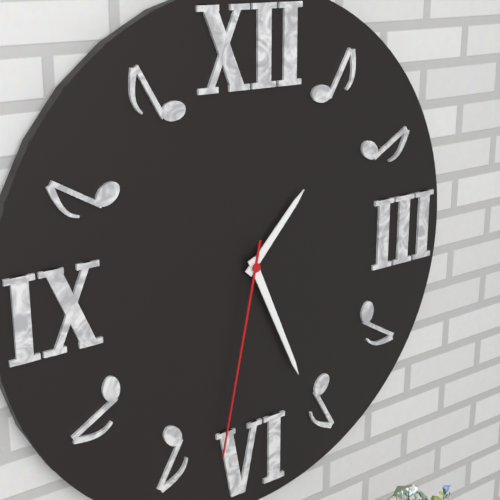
1:26:32
